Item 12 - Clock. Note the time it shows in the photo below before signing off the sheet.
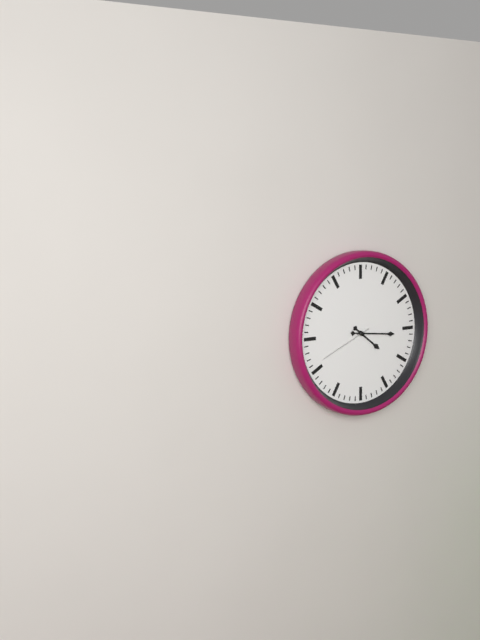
4:16:41
